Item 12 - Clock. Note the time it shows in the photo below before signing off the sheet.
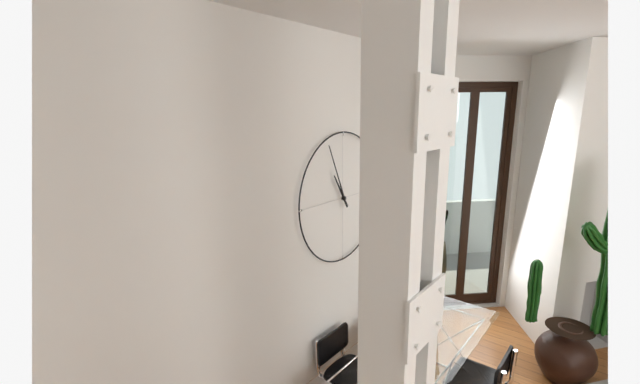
10:56
